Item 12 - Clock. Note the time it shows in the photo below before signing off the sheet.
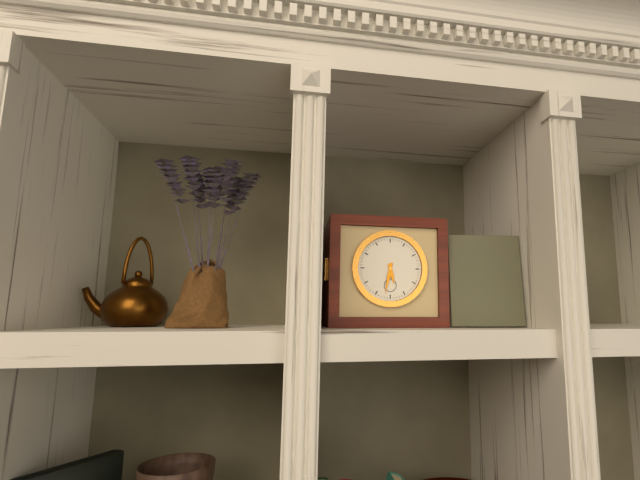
5:32
